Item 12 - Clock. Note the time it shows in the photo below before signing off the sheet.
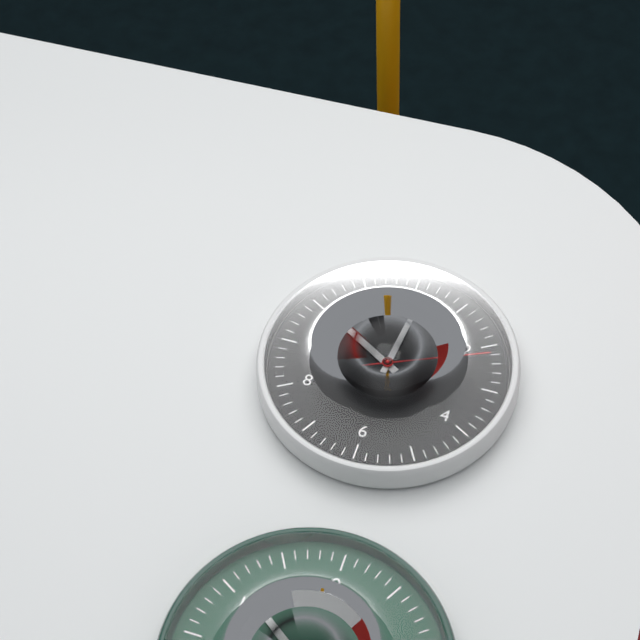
10:01:11
